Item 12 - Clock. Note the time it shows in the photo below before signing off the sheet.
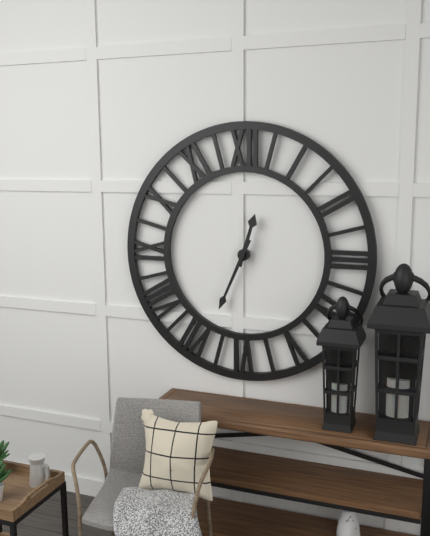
12:34
